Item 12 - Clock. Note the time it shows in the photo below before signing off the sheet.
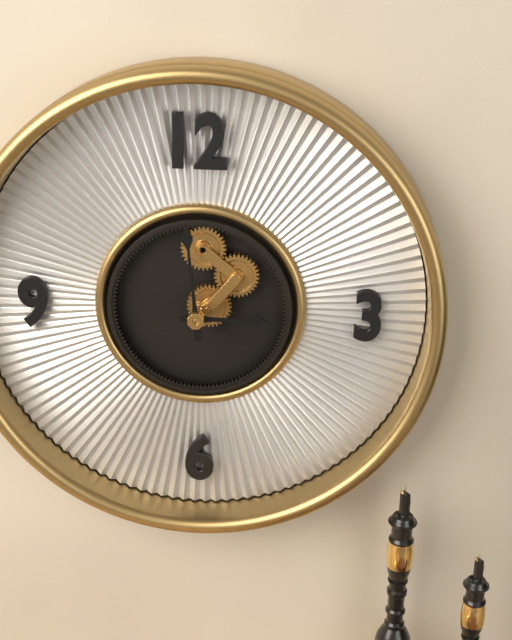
2:59
